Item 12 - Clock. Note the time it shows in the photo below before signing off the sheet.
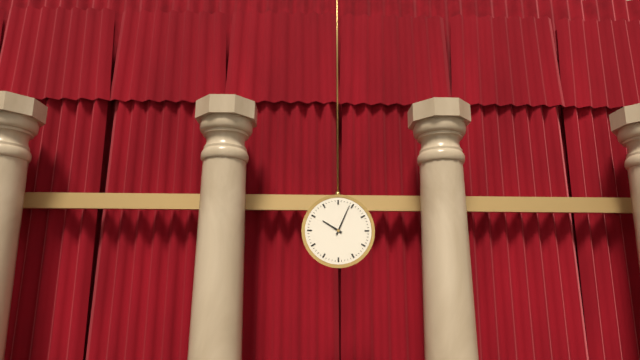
10:04
